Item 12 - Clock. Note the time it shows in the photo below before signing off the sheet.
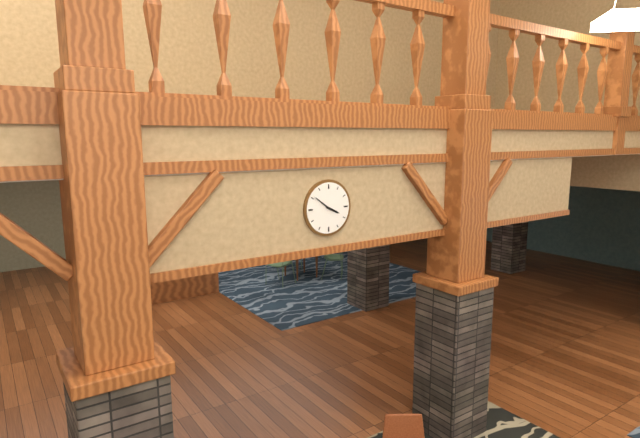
3:51
